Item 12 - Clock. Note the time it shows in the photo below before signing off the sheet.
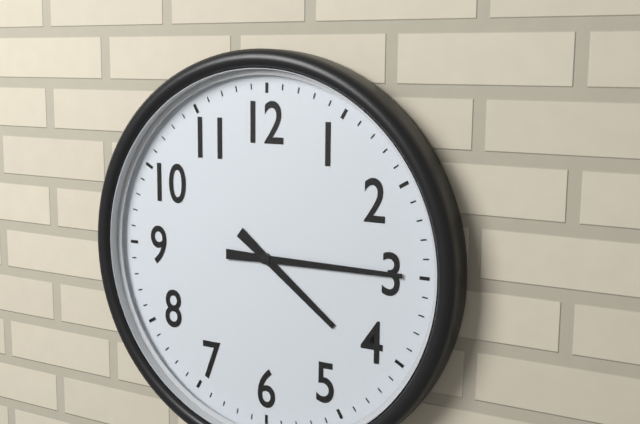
4:15
